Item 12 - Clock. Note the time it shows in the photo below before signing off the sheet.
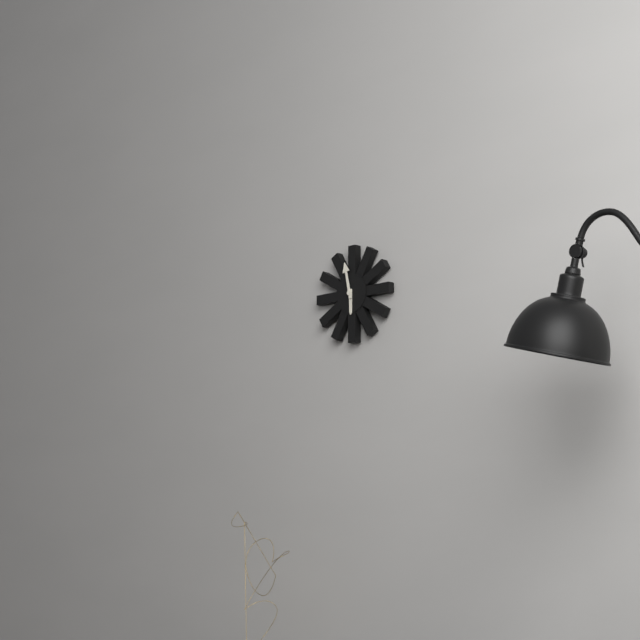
5:58
